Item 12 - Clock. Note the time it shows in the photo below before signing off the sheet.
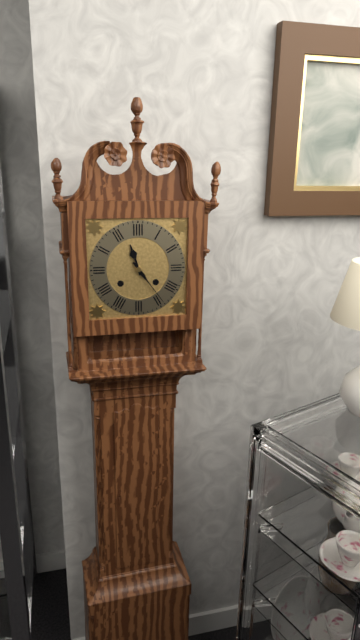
11:24
